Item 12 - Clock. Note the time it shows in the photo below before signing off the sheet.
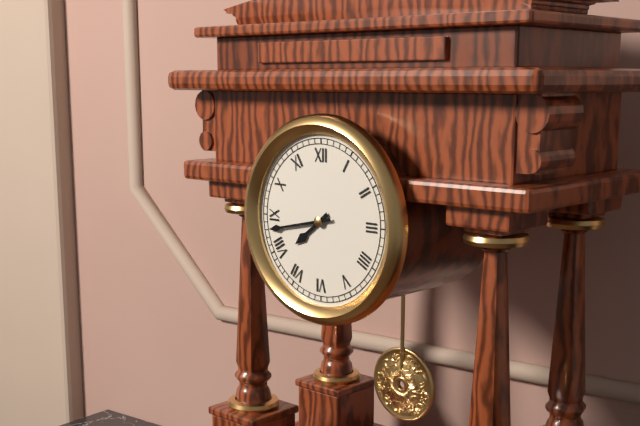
7:43
